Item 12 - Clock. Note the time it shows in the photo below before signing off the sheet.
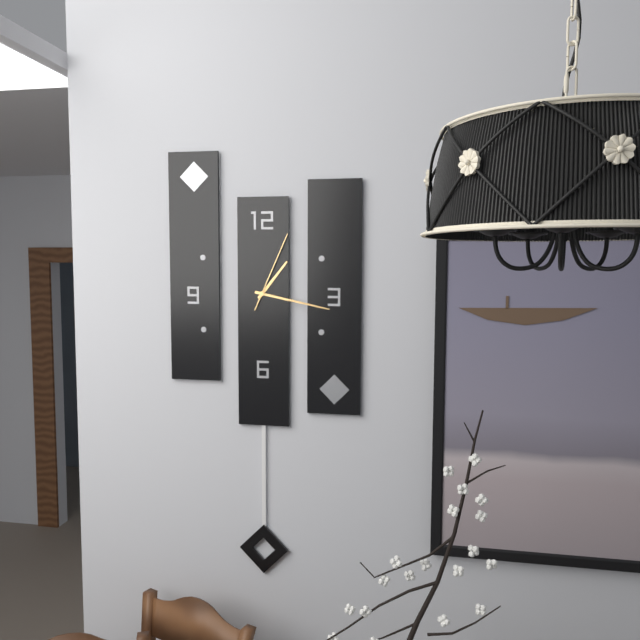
1:17:04
